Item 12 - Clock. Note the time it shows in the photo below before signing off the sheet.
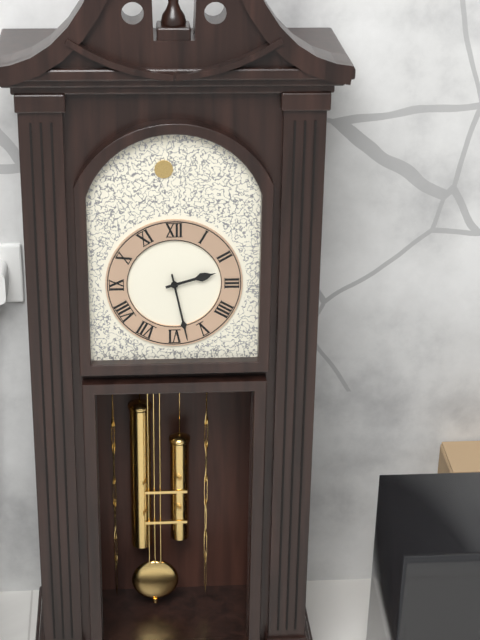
2:28
